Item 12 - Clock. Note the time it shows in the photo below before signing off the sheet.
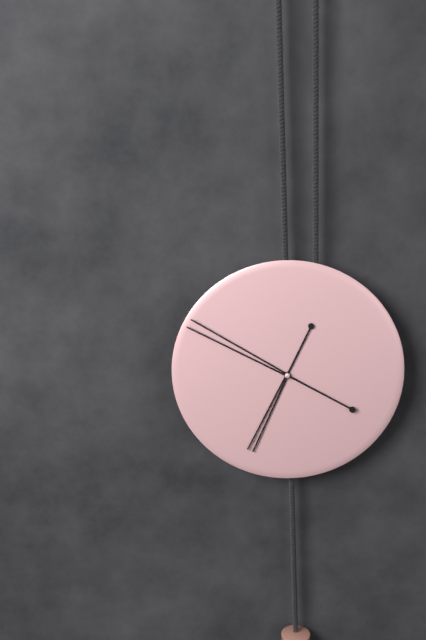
6:50
